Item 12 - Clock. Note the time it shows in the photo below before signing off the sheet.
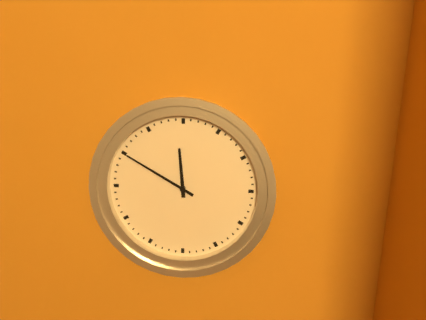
11:50
